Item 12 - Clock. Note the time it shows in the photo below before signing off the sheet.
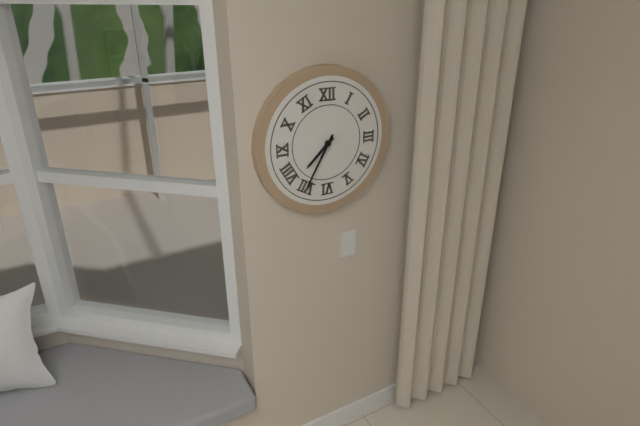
7:35
